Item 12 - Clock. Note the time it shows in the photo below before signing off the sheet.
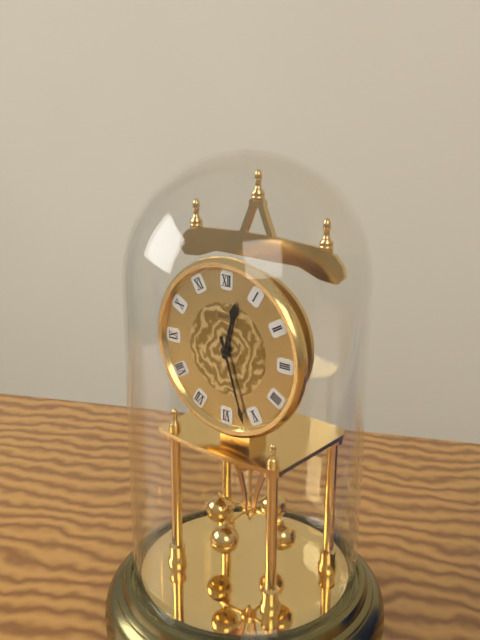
12:27
